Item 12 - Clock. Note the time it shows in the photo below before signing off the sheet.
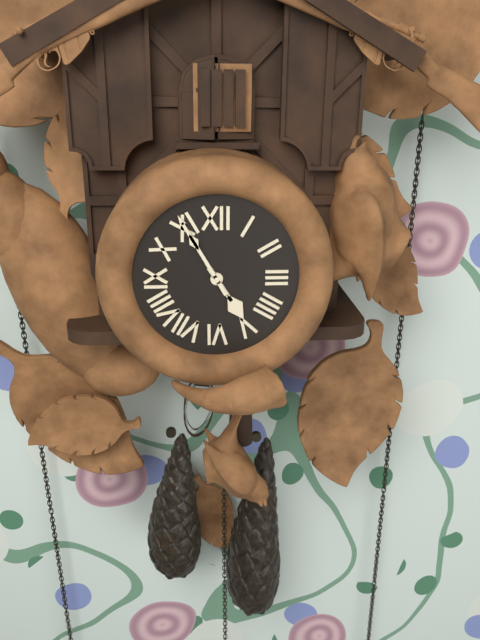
4:55
